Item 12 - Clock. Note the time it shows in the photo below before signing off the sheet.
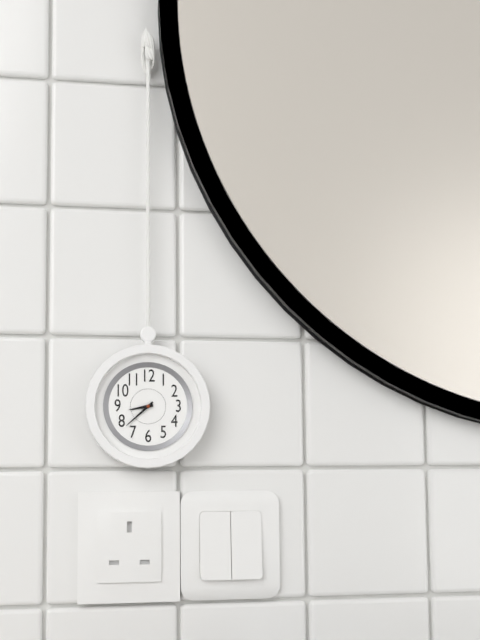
8:38
